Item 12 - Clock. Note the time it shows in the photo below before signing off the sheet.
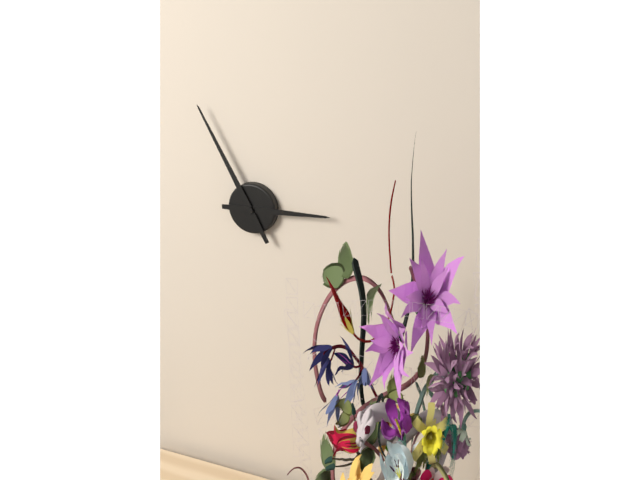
2:55
